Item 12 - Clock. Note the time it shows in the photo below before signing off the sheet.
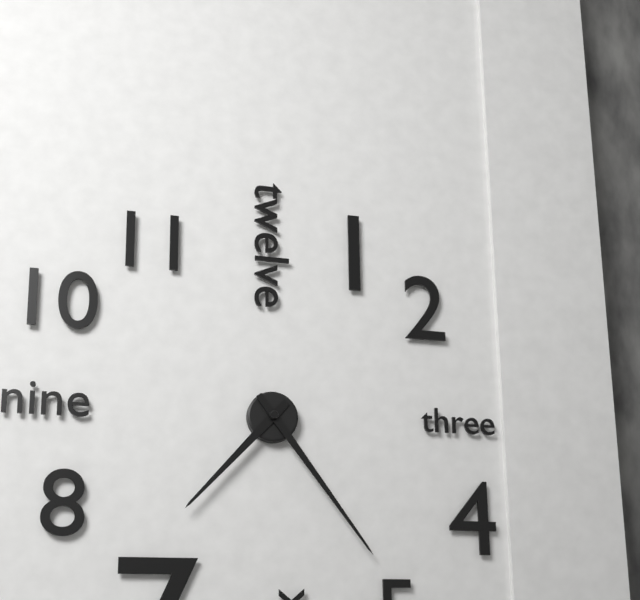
7:24
